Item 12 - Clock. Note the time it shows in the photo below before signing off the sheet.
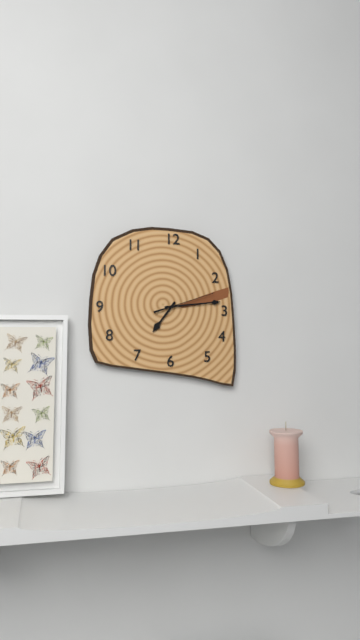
7:14:12
